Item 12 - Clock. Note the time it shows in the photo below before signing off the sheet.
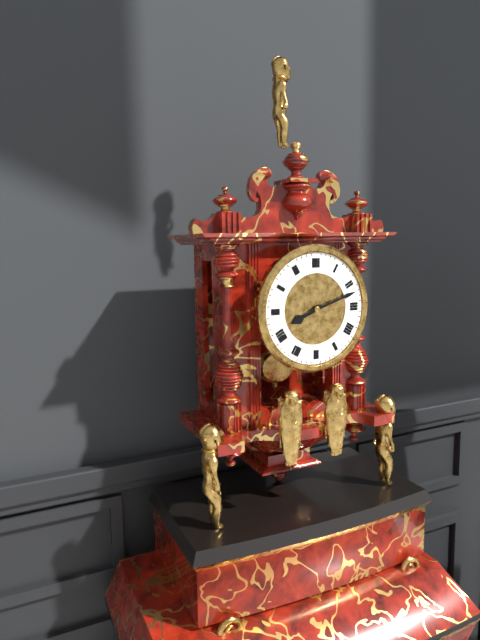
8:12
